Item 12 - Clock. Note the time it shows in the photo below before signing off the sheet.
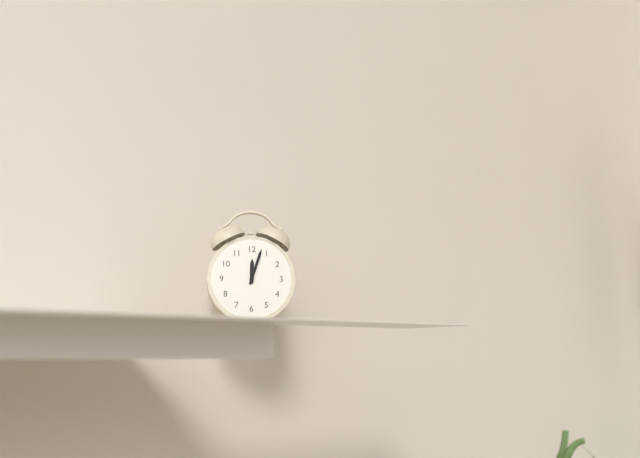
12:03
